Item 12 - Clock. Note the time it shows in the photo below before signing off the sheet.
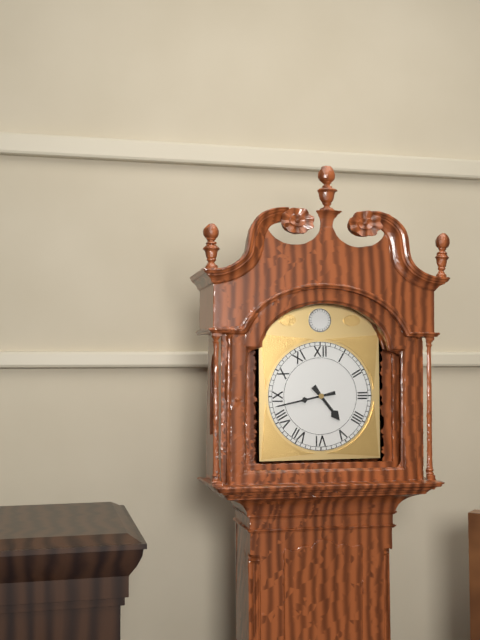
4:43
